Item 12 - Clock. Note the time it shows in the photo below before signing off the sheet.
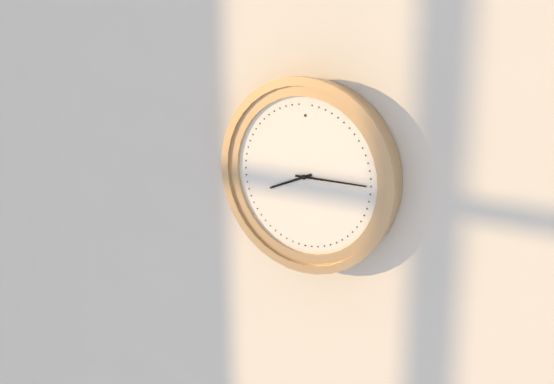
8:15
